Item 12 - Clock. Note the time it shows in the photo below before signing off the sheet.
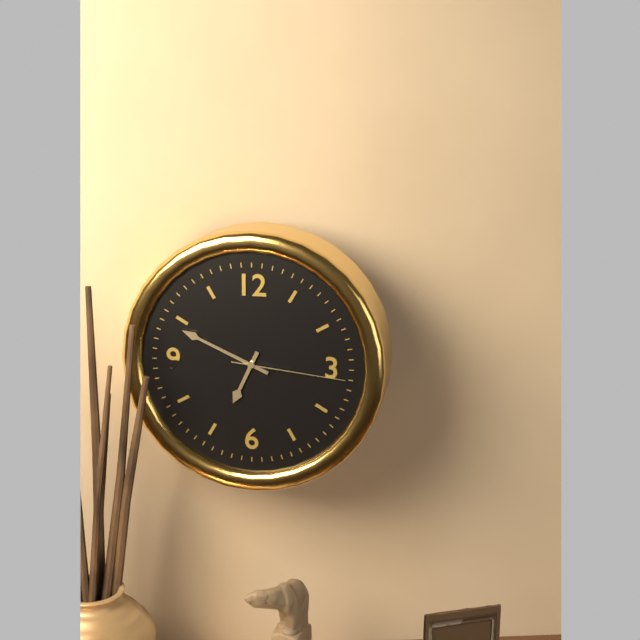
6:49:16
